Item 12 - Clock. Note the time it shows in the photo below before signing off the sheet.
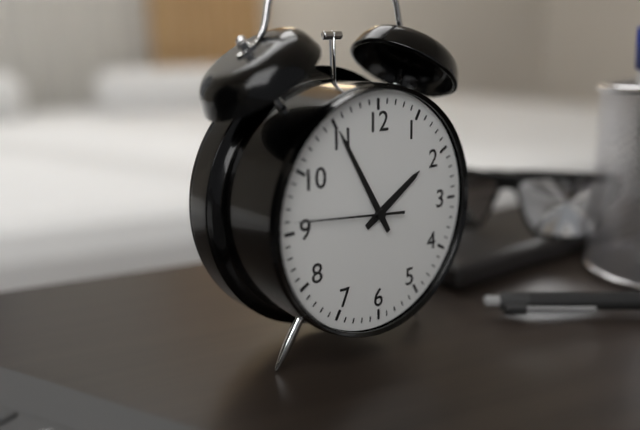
1:55:46
